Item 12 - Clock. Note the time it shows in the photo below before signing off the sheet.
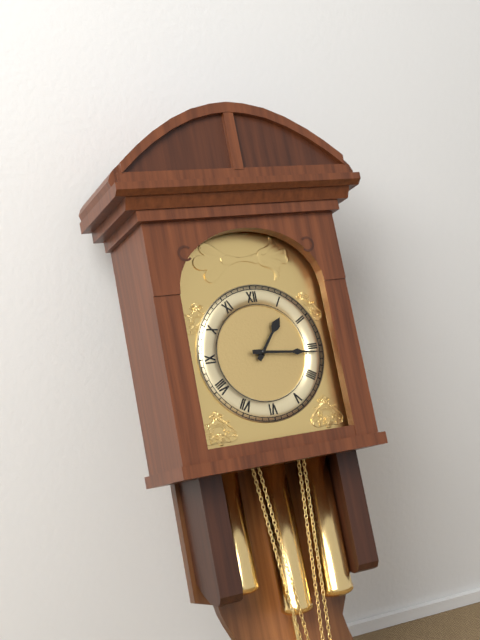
1:16
